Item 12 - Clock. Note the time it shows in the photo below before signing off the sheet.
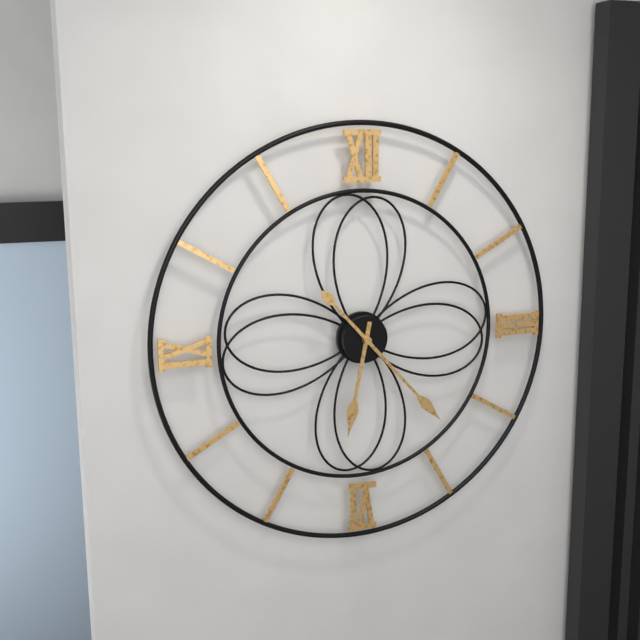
6:23
